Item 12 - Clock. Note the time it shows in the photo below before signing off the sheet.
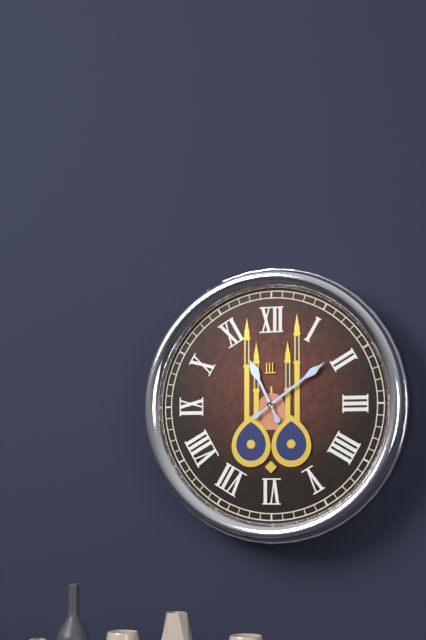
11:09
